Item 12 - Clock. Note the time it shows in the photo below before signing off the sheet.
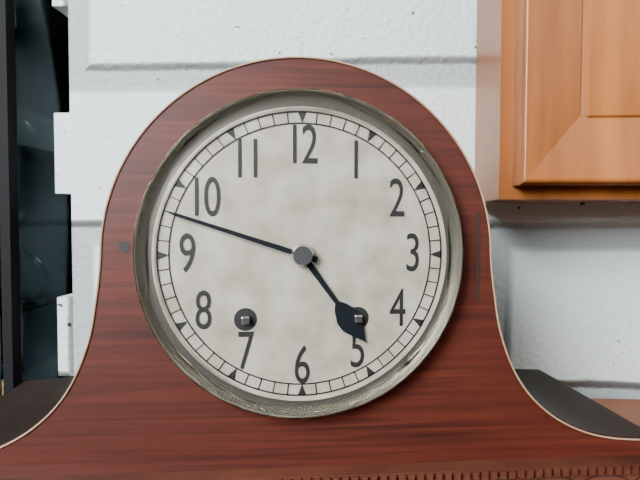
4:48
